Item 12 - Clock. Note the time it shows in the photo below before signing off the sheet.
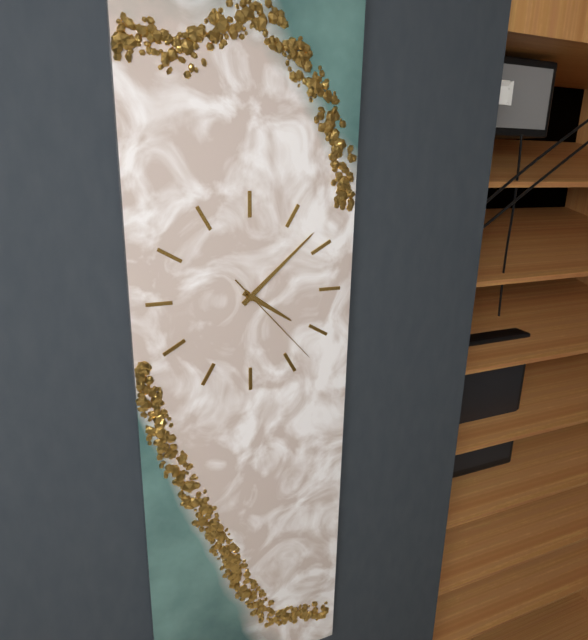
4:08:23
